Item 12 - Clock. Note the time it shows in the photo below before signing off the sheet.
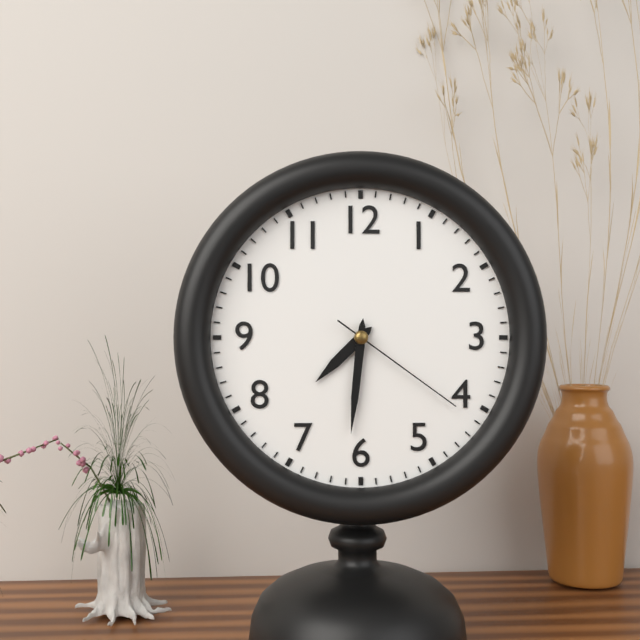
7:31:21
